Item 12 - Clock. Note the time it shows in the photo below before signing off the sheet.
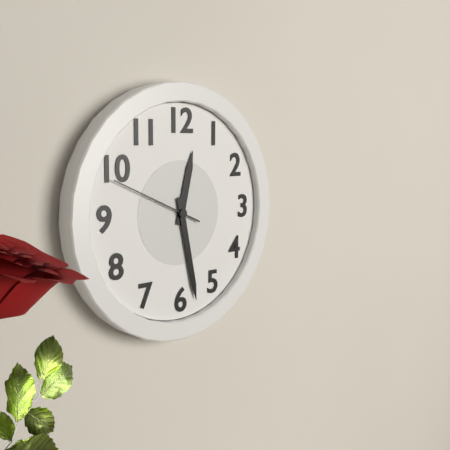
12:28:49
